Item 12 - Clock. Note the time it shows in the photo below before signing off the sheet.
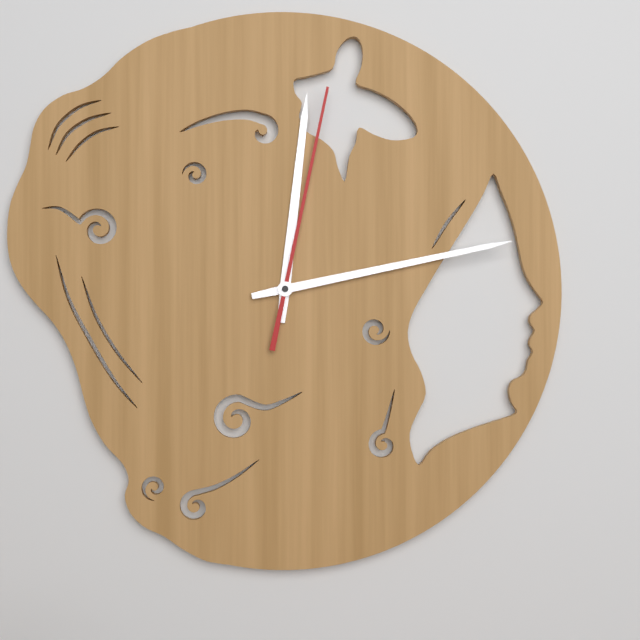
12:13:02
